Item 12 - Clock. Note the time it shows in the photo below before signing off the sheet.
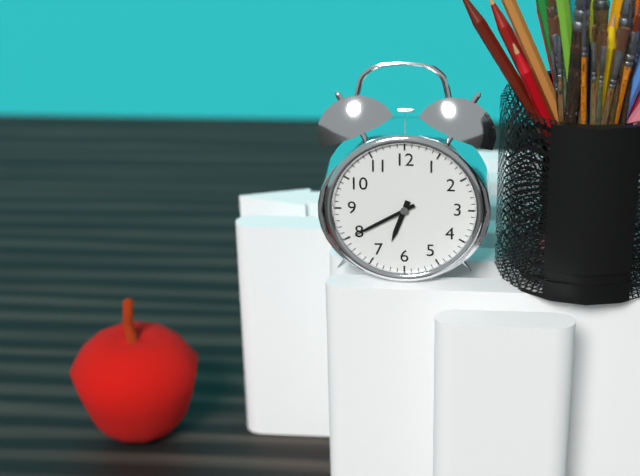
6:40
